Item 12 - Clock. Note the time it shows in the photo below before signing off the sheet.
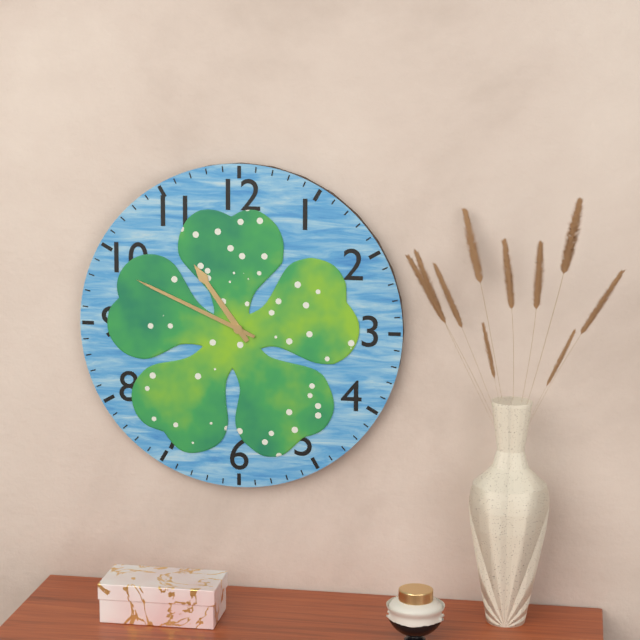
10:49
